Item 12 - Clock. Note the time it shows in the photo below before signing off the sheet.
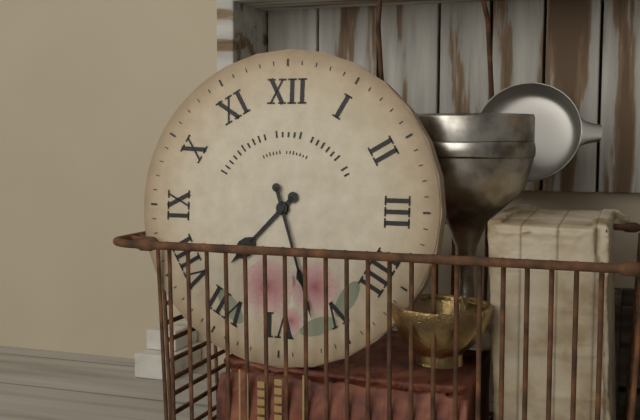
7:27
